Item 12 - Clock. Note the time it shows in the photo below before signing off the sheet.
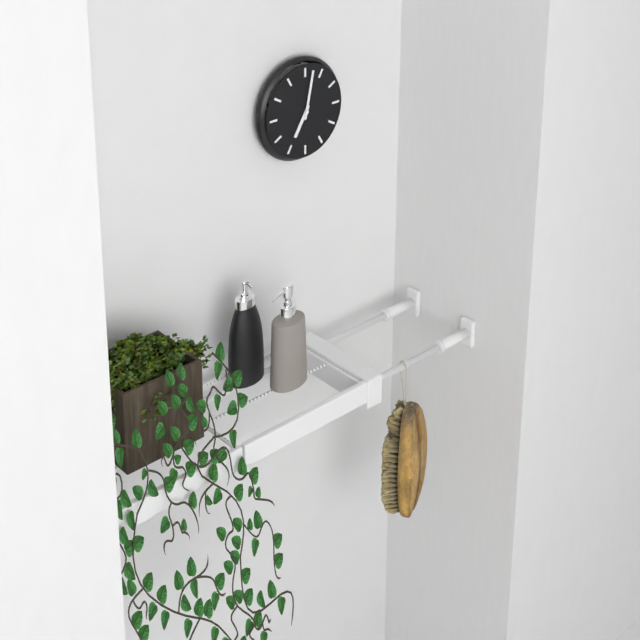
7:02
